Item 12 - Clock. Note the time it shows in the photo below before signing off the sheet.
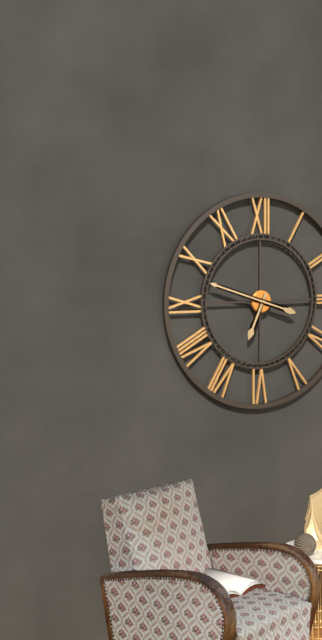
6:48
